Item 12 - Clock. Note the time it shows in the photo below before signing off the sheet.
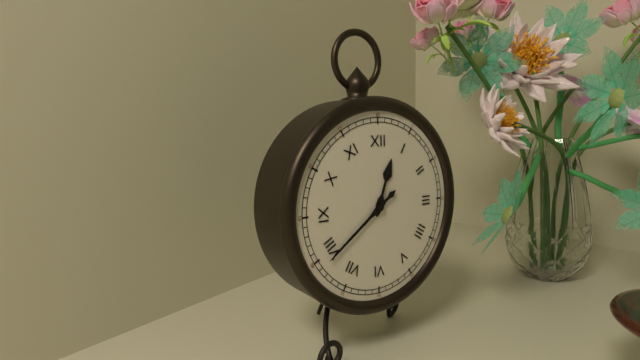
12:39
